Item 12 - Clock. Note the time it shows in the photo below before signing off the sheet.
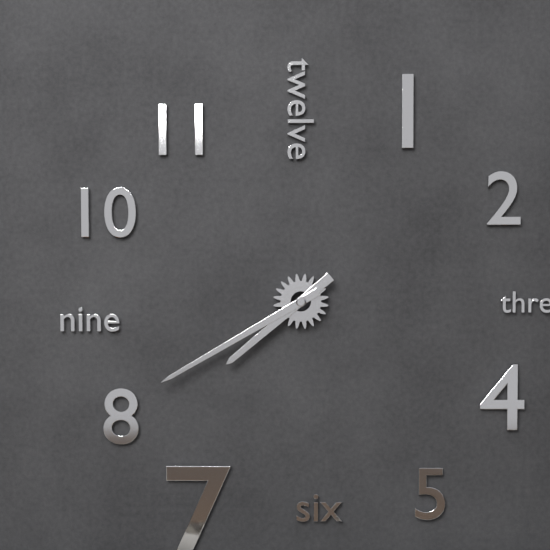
7:40
